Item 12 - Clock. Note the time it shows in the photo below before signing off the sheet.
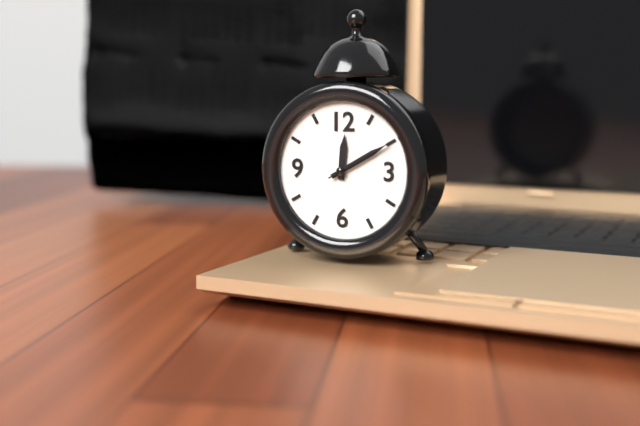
12:10:10
